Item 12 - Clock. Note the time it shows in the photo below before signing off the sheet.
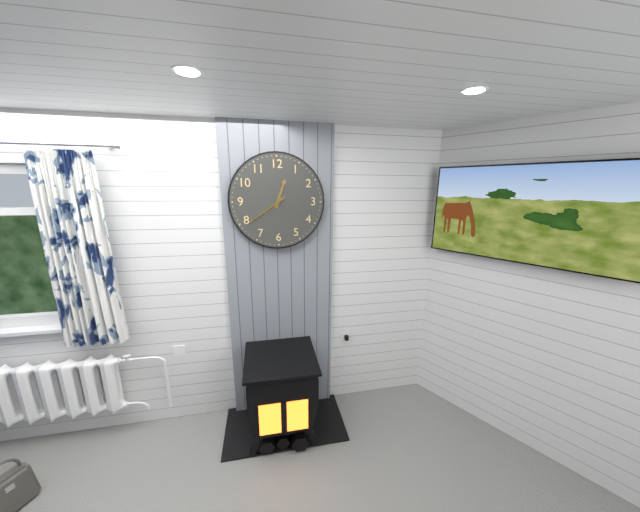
12:39
